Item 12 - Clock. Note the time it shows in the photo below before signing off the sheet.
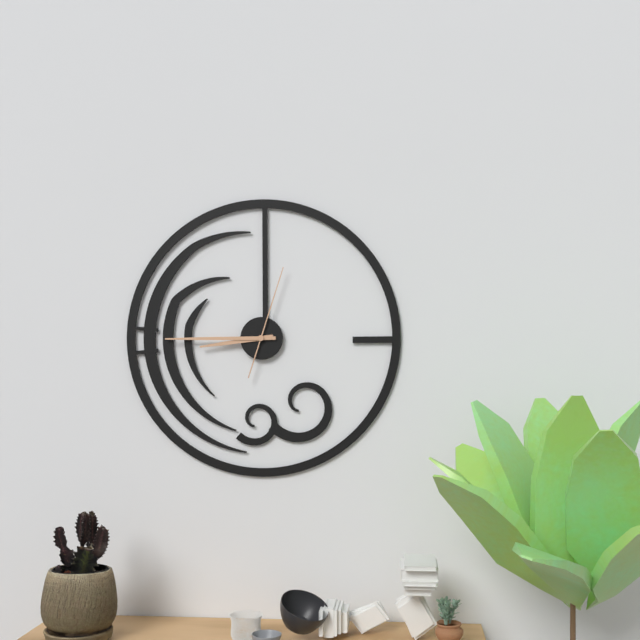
8:45:03
